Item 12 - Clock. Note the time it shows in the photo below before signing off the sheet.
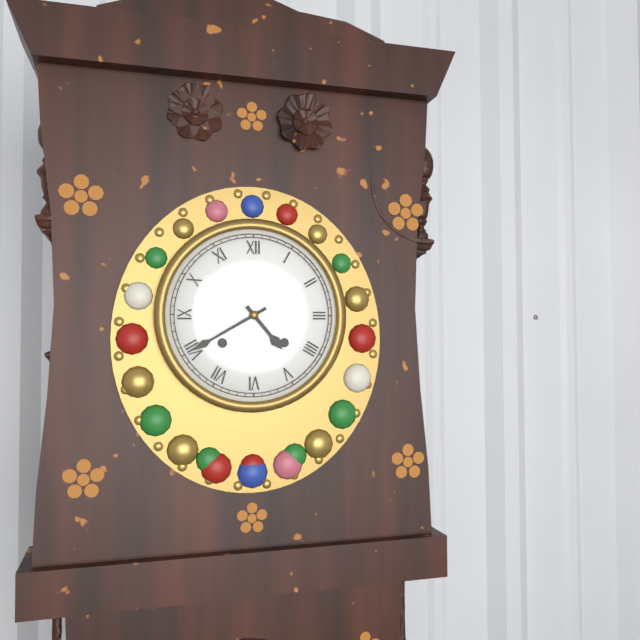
4:40
